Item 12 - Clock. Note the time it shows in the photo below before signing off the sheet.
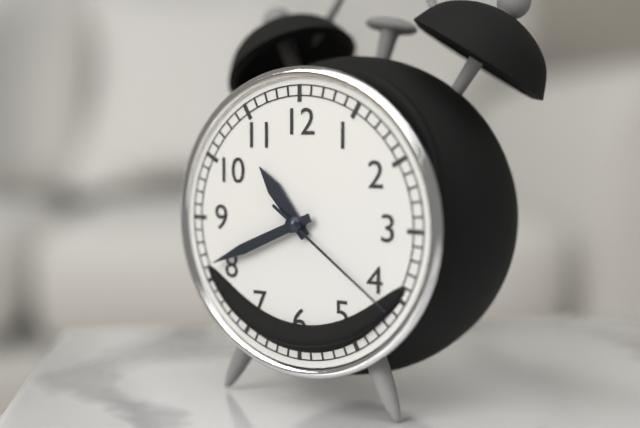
10:41:21
